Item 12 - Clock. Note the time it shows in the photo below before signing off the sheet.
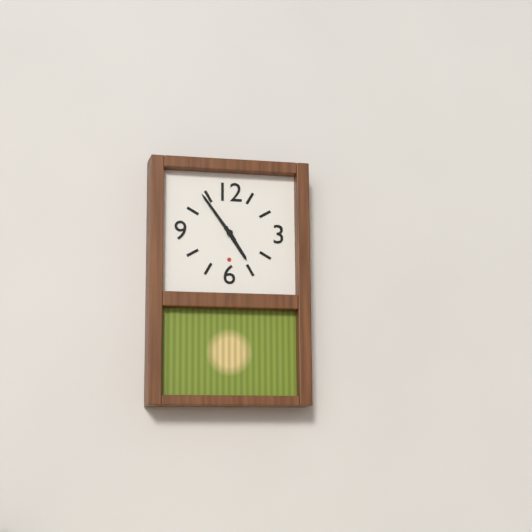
4:54
